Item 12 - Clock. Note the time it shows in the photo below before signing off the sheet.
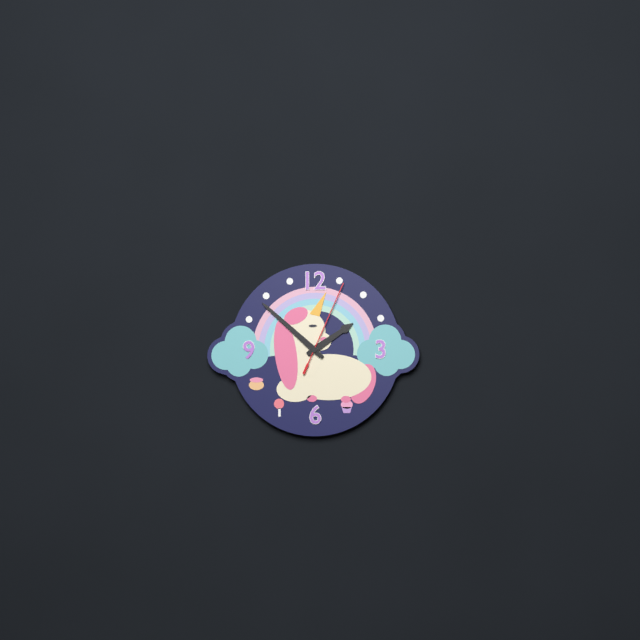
1:52:04
